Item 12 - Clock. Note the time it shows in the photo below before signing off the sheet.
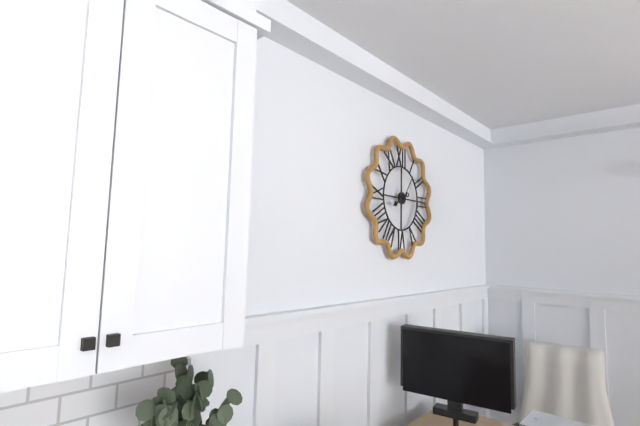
8:06
